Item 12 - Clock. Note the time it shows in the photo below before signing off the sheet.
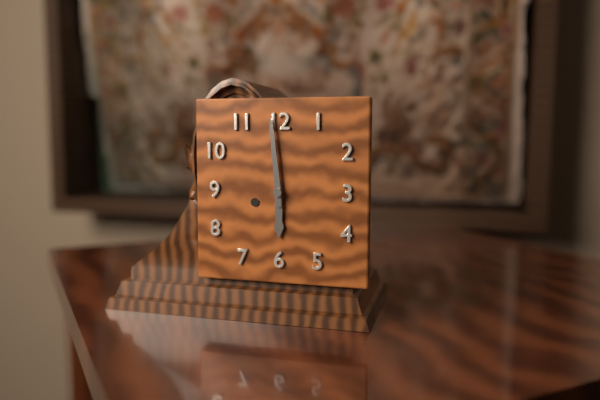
5:59
